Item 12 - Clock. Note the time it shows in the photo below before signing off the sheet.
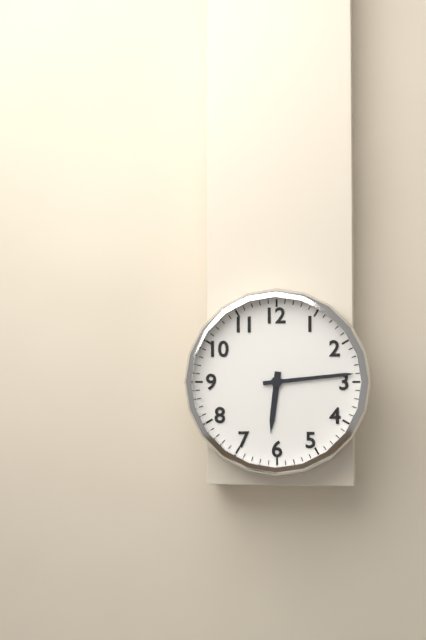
6:14
